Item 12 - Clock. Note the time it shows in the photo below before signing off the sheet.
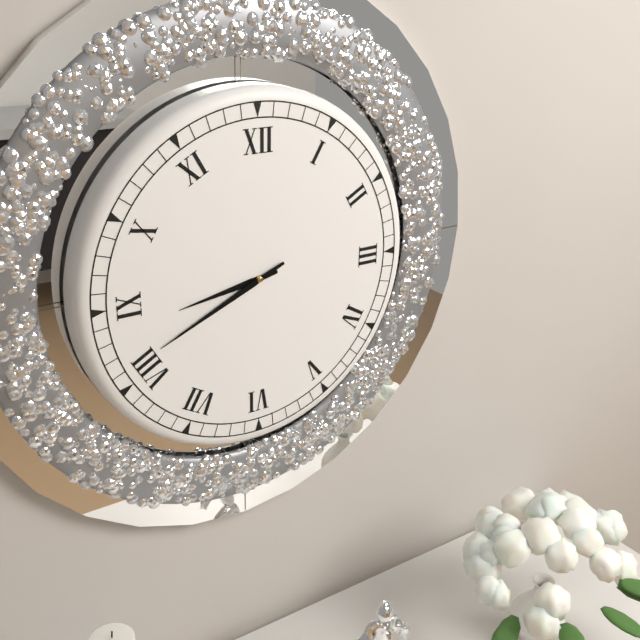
8:41
